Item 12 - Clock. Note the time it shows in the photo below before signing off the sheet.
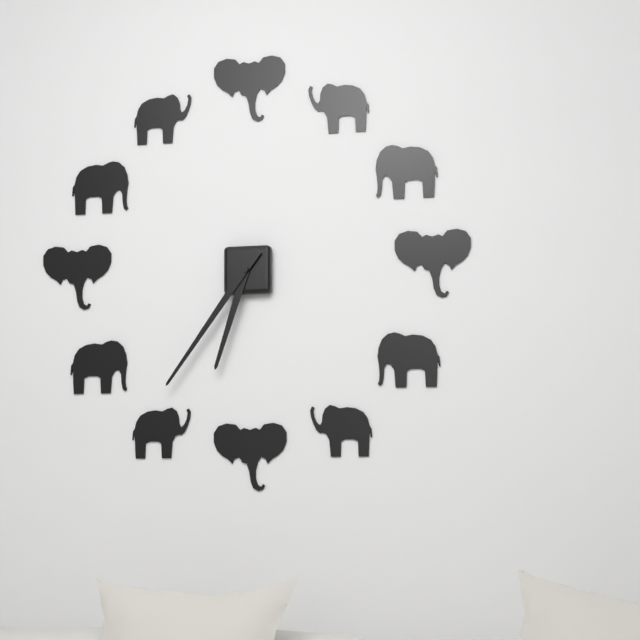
6:36
